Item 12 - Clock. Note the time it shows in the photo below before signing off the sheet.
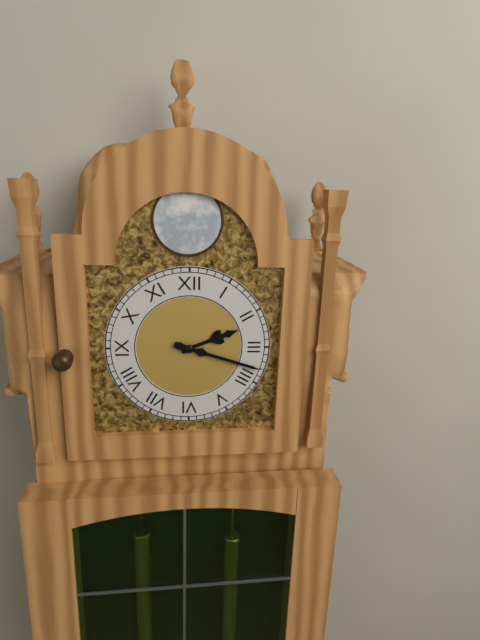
2:18
